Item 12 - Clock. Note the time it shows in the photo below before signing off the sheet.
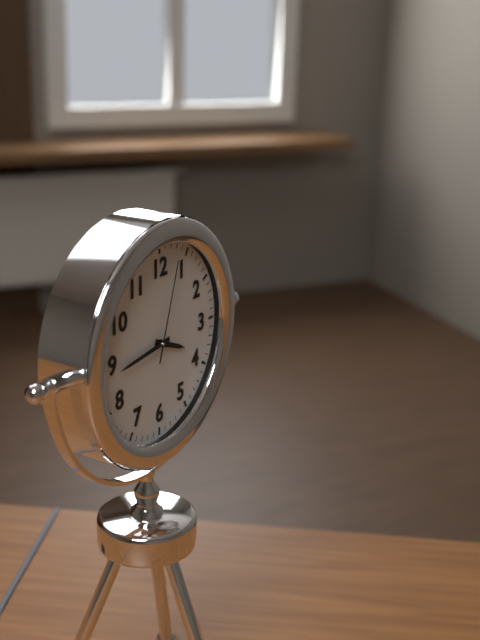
3:44:03
